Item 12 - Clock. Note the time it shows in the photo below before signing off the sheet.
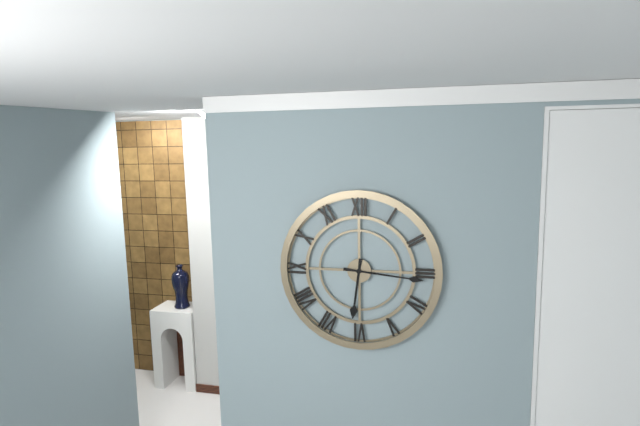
6:16
